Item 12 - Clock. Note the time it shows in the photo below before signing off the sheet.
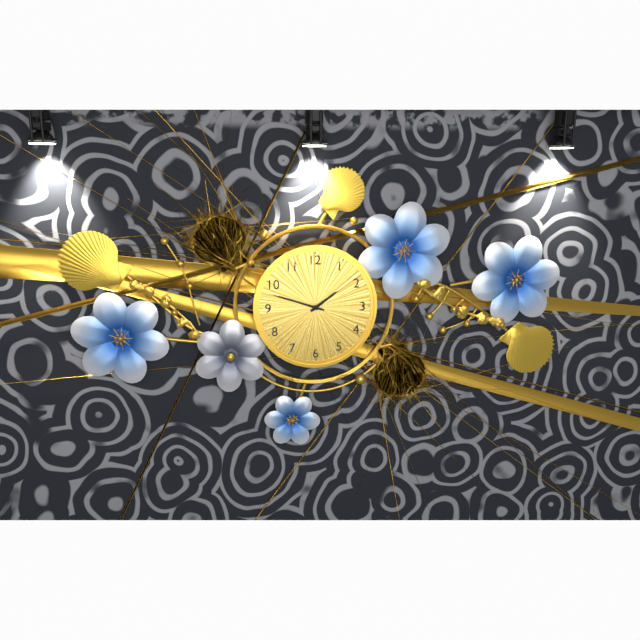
1:48
